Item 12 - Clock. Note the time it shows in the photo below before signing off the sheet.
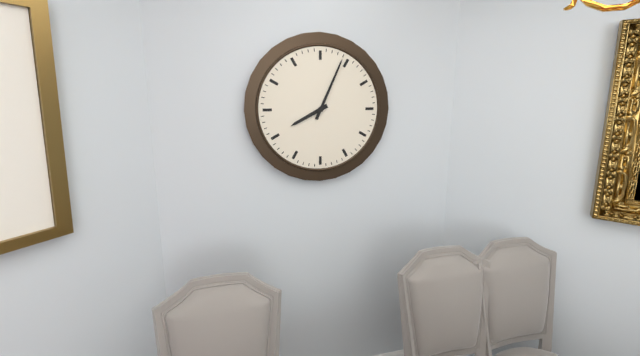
8:04
